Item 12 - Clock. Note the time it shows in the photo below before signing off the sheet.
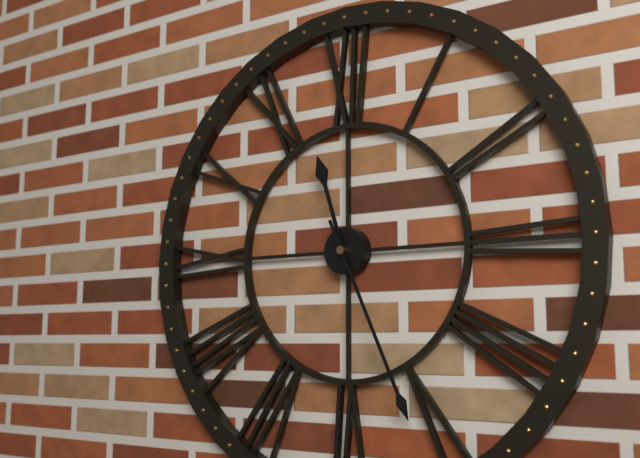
11:26
